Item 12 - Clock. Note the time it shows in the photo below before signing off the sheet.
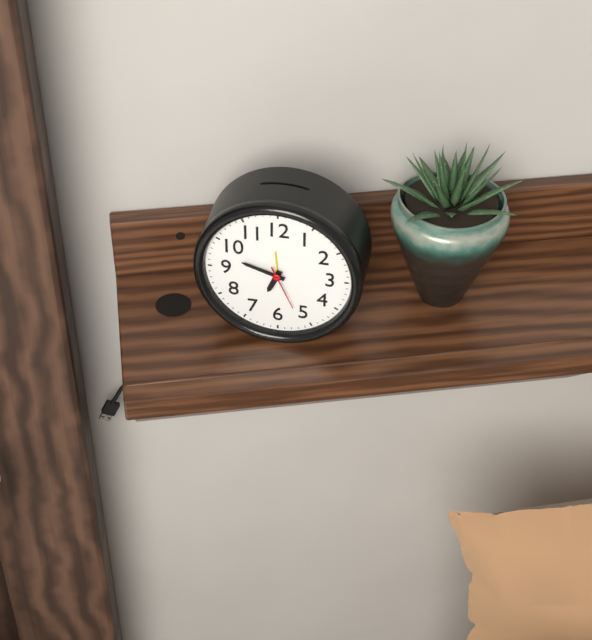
6:48
